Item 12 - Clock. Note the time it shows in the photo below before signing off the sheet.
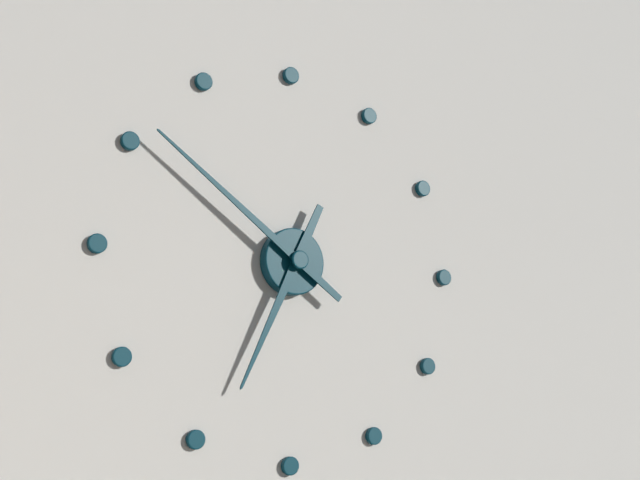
6:51
